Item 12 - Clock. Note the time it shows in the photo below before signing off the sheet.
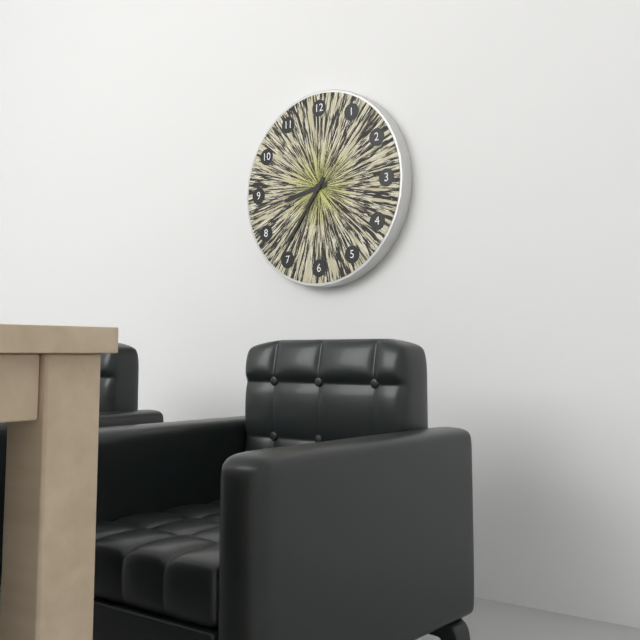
8:36
